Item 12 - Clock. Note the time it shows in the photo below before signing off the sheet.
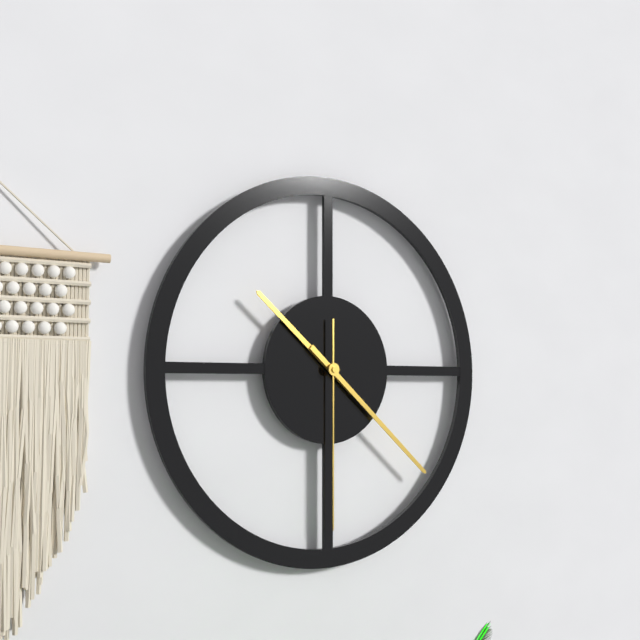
10:22:30
